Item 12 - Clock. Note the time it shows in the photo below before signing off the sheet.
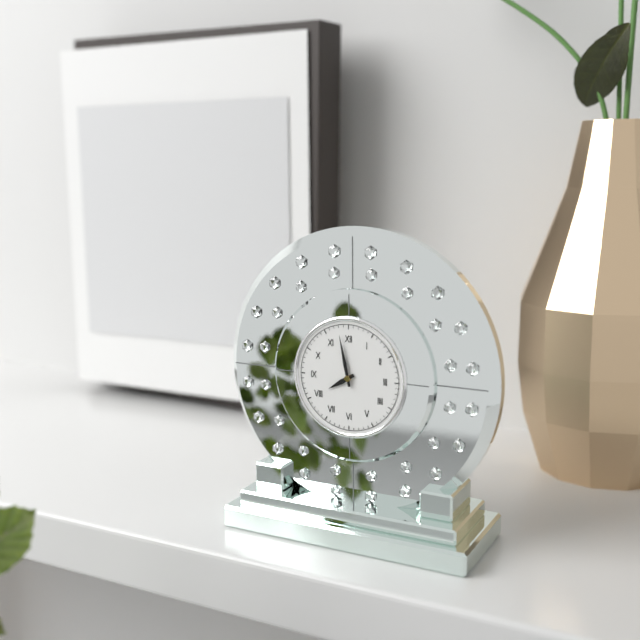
7:58
